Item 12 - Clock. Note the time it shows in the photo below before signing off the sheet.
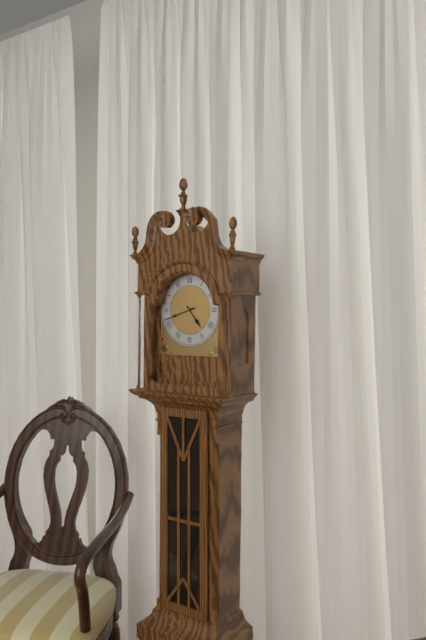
4:42
